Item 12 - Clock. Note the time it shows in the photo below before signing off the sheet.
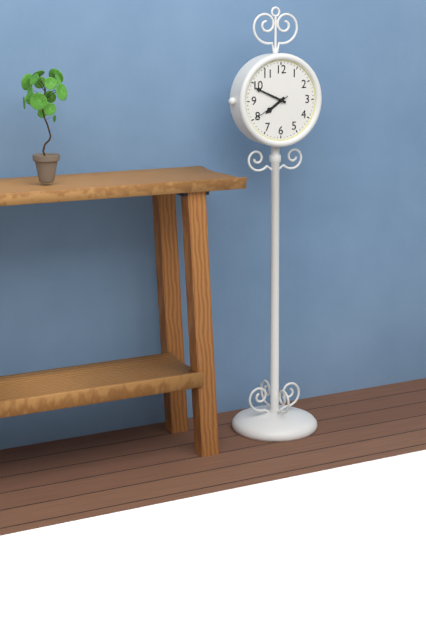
7:49
